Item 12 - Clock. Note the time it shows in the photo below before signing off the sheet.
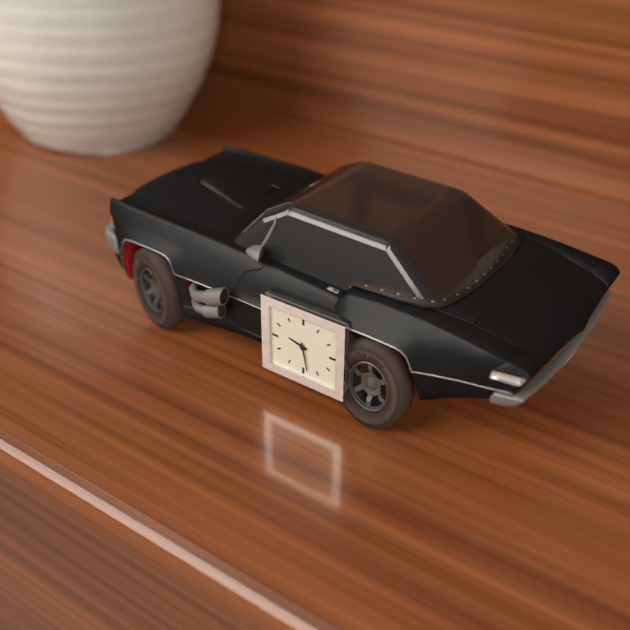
9:28
